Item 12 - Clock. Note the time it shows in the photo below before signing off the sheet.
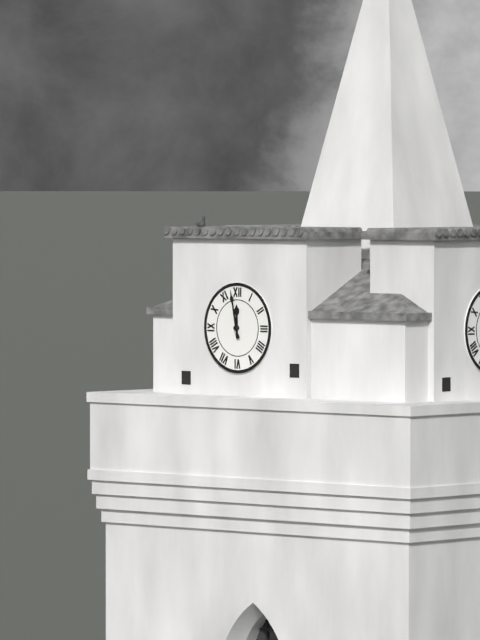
11:58
